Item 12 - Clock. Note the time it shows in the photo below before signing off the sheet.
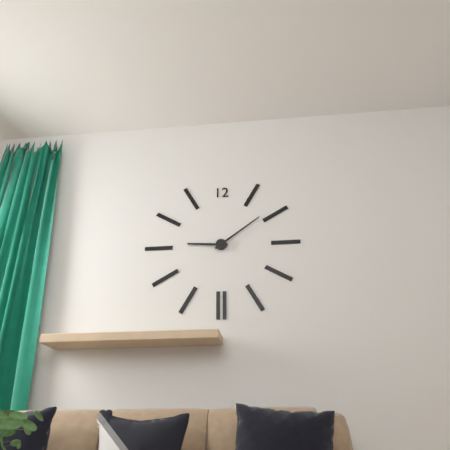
9:09
